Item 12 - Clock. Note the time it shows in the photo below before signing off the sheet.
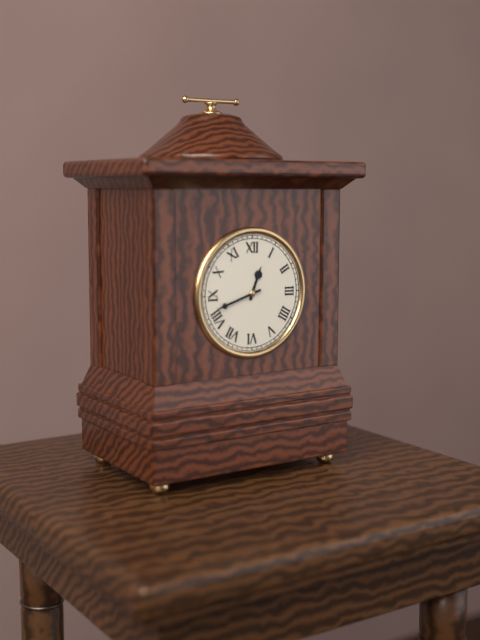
12:42
